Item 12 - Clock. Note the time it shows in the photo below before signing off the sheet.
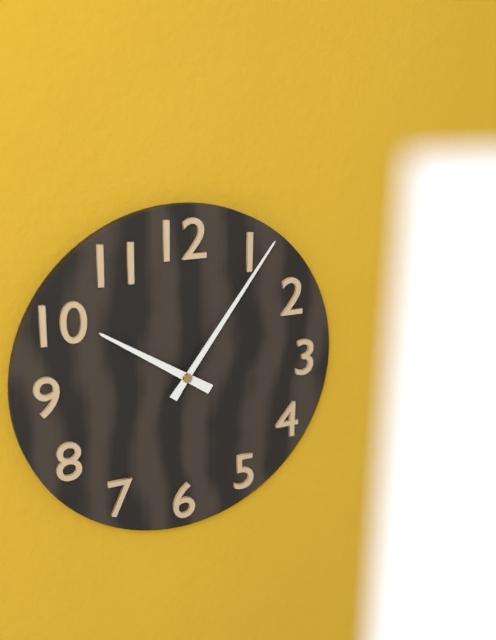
10:06
